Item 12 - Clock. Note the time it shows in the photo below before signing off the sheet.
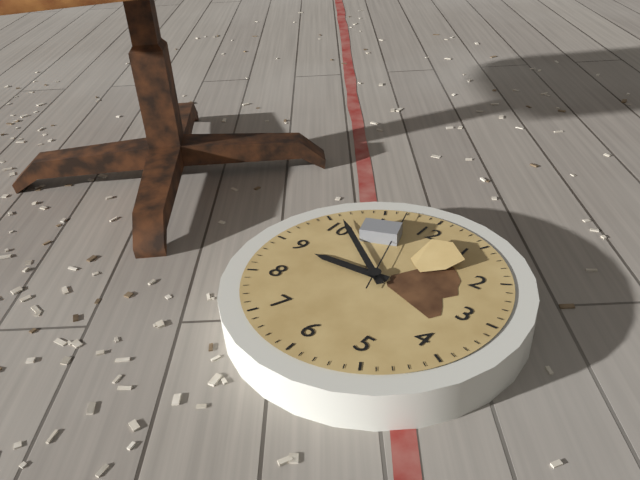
8:51:57
